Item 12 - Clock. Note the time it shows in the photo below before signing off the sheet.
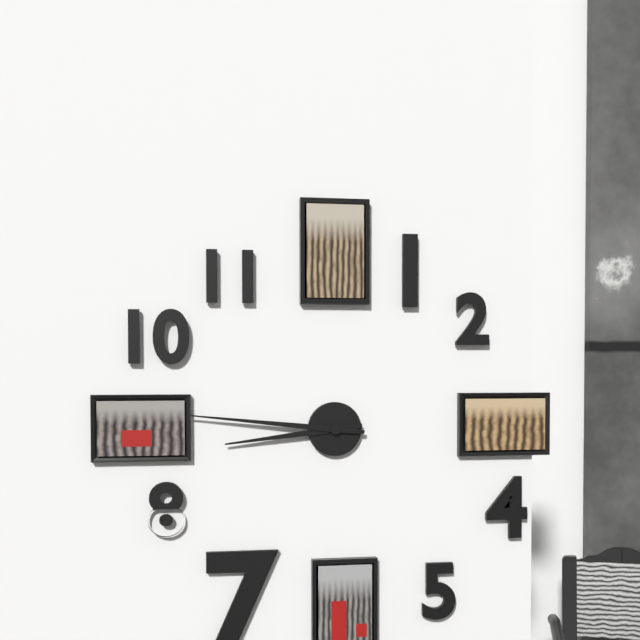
8:46
